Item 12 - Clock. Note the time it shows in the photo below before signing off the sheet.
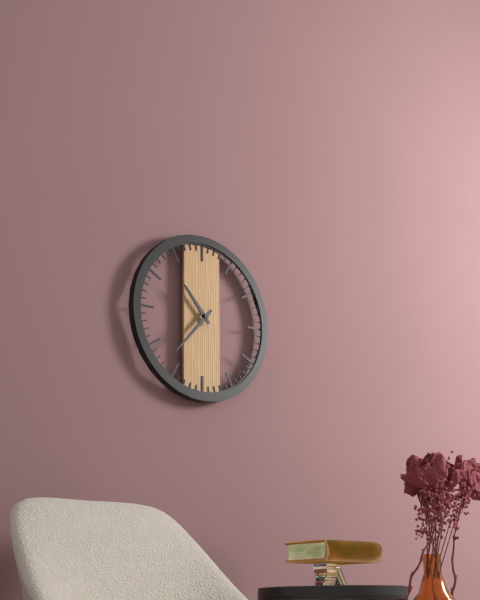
10:37
